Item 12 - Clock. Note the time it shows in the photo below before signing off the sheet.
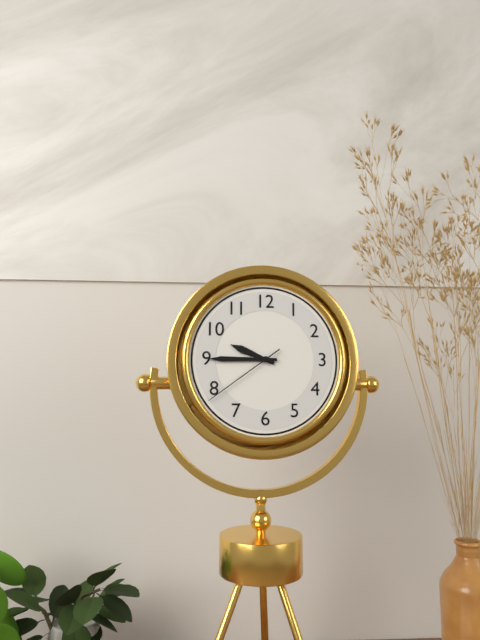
9:45:39
